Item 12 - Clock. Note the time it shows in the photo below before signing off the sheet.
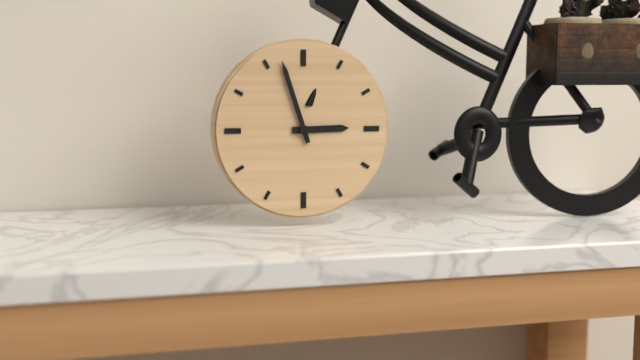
2:57
